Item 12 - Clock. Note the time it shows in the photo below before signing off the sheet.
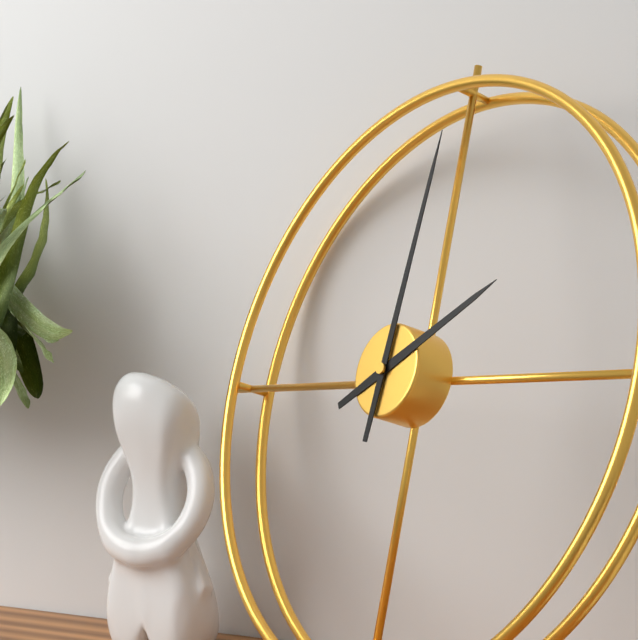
2:01
